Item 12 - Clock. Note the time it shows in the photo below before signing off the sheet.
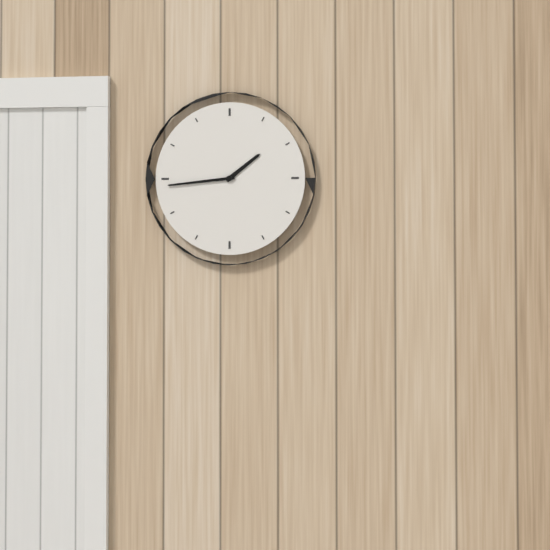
1:44
